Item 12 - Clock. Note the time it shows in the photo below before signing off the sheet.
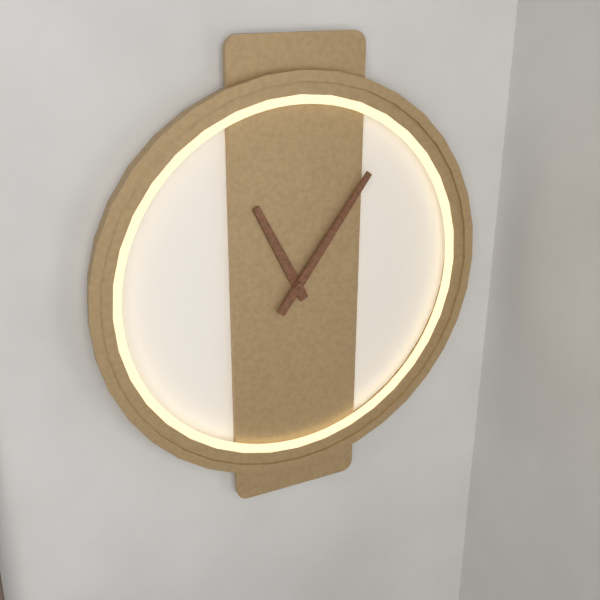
11:06
